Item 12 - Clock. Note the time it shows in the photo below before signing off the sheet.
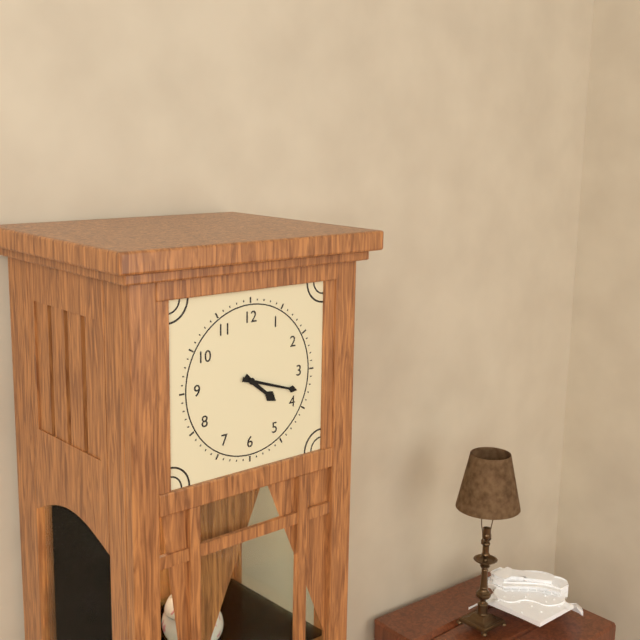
4:18
